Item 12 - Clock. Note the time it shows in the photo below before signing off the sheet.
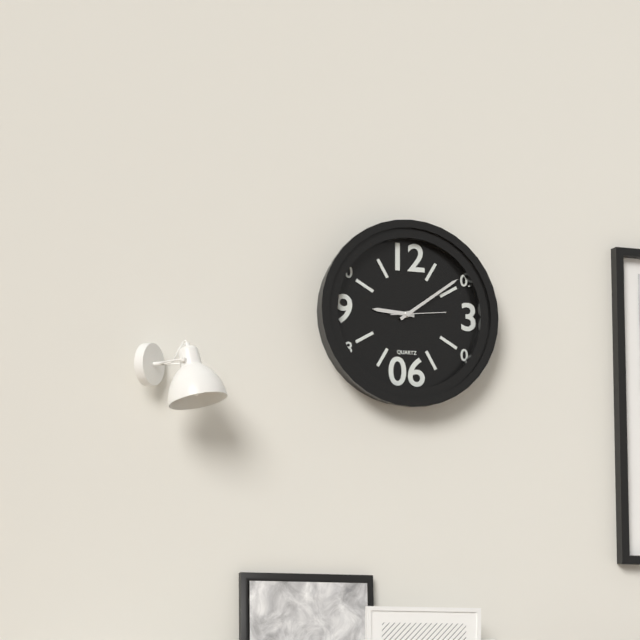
9:09:14
